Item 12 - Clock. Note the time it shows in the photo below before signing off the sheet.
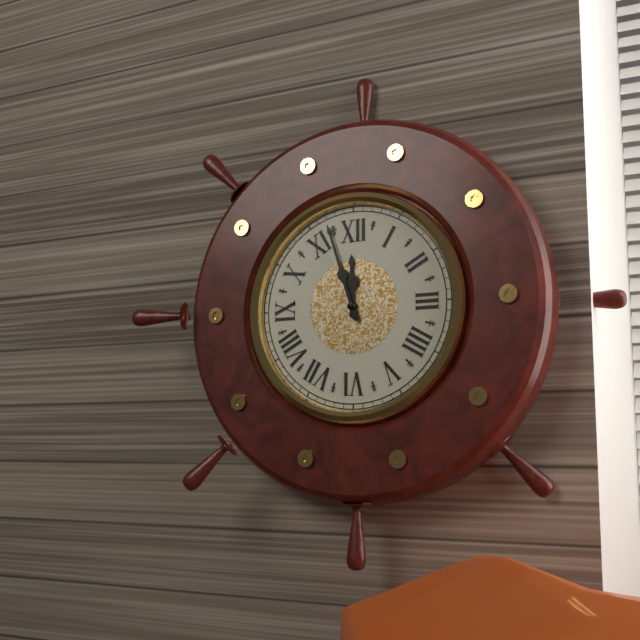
11:57
